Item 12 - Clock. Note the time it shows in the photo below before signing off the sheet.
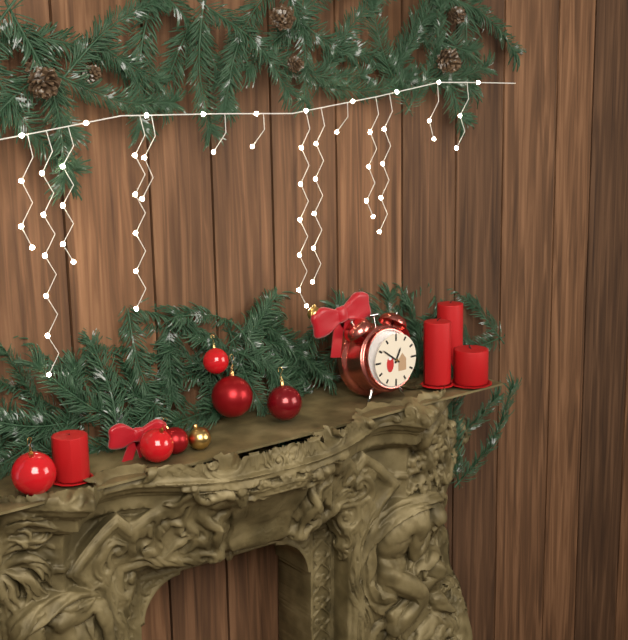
12:51
